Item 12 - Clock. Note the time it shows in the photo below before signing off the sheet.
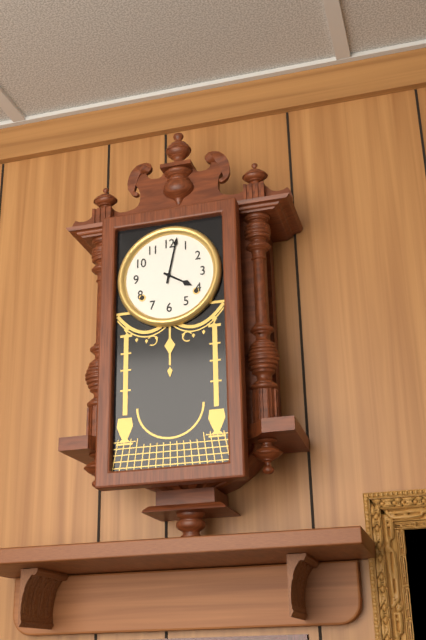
4:02
